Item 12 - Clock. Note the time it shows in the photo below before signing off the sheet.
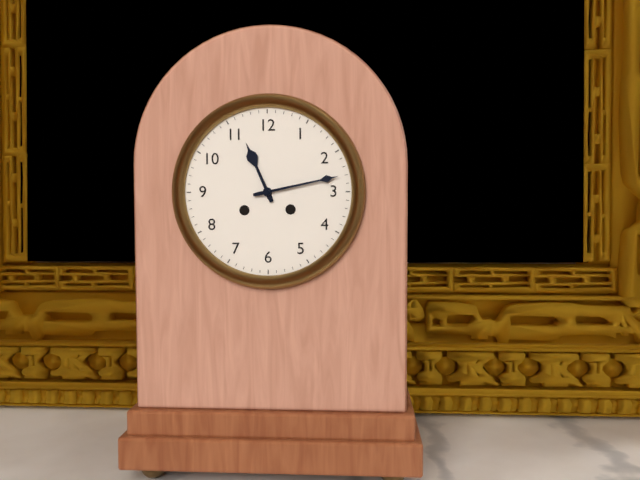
11:13
